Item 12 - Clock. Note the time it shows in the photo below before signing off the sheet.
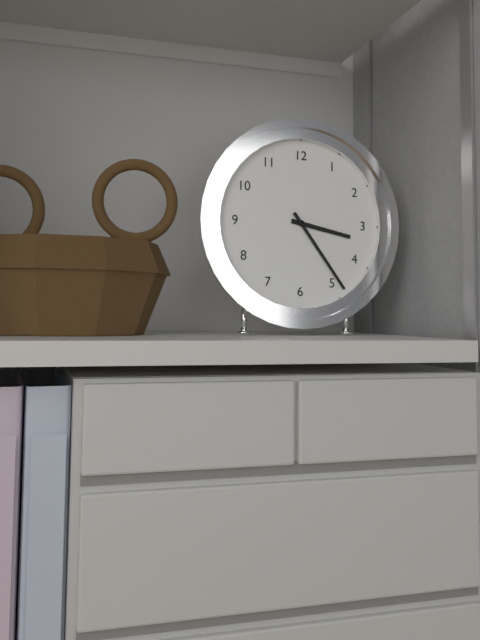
3:24
